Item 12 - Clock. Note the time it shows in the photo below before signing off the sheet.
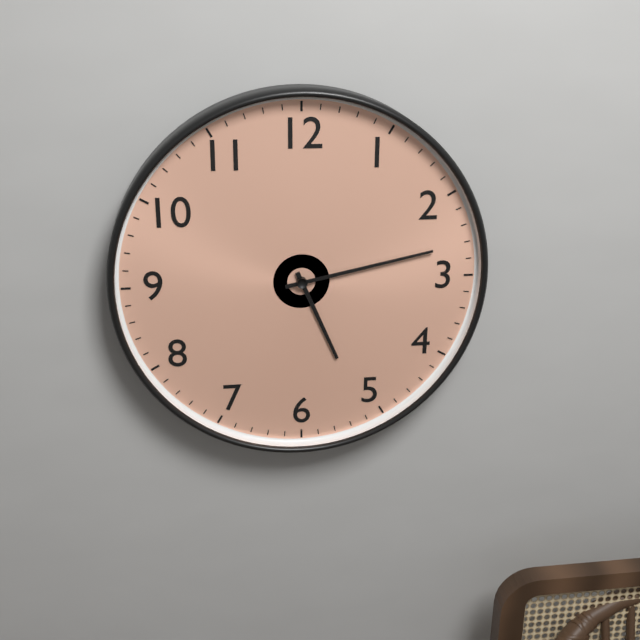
5:13
